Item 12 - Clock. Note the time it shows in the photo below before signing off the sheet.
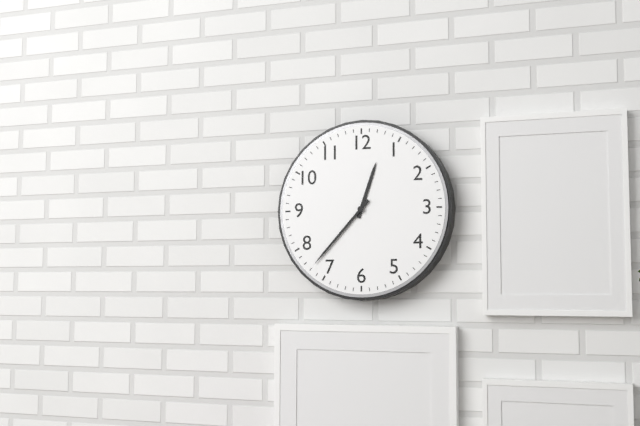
12:37
